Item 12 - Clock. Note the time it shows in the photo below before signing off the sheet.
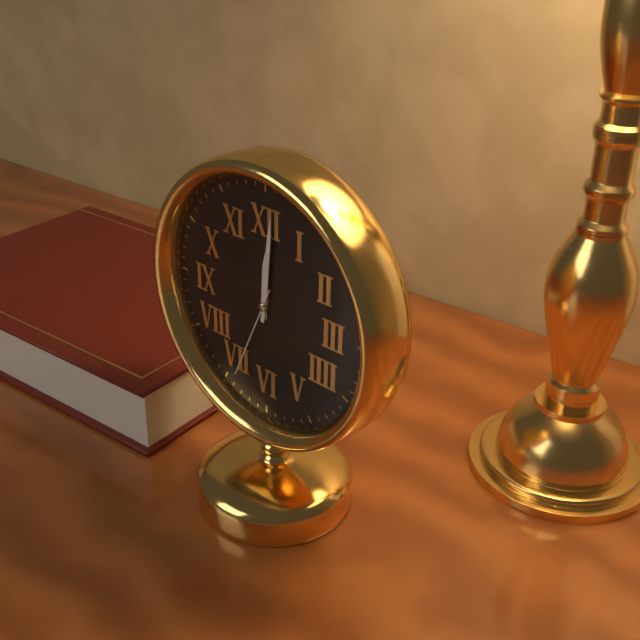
12:01:34
